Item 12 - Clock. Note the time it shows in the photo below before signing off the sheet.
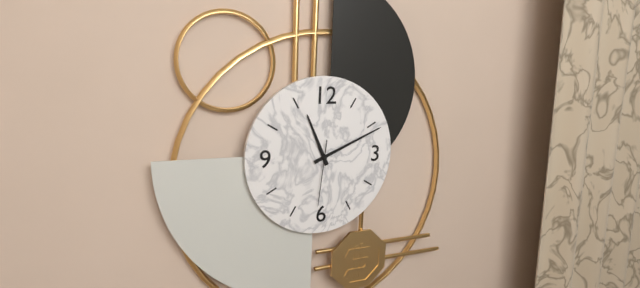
11:11:31
